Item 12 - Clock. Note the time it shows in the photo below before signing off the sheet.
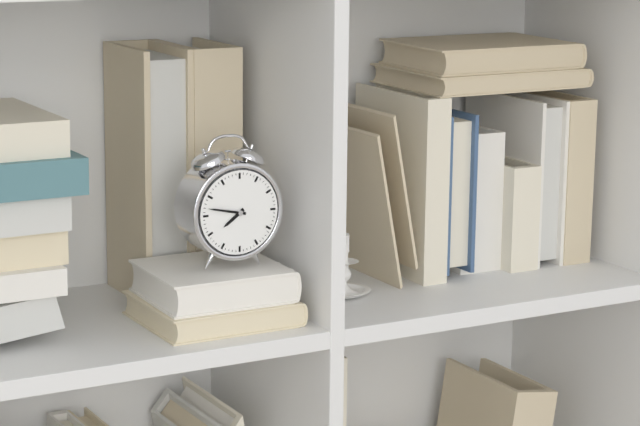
7:47
